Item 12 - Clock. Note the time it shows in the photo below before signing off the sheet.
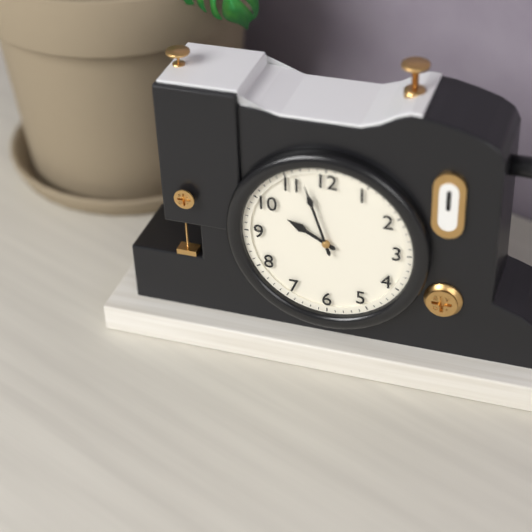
9:57
